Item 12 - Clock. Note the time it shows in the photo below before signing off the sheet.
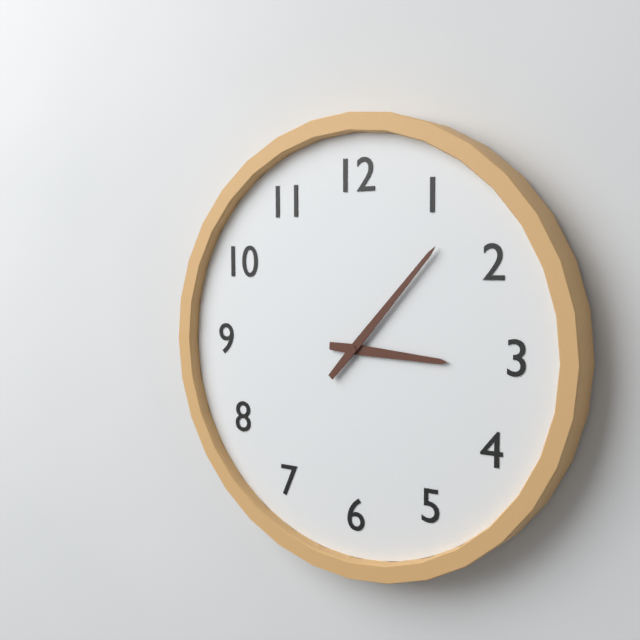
3:07
